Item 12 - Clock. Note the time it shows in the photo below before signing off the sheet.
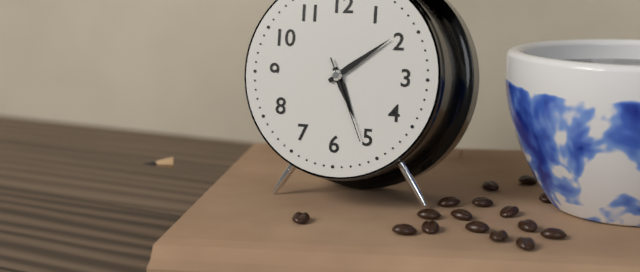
5:09:26
